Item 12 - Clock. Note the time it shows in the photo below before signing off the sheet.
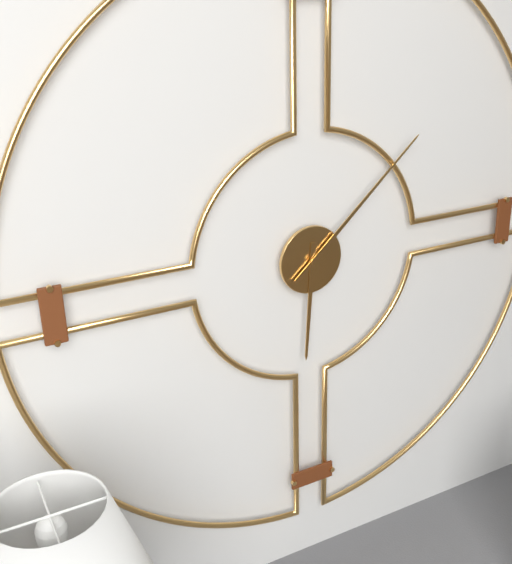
6:08
